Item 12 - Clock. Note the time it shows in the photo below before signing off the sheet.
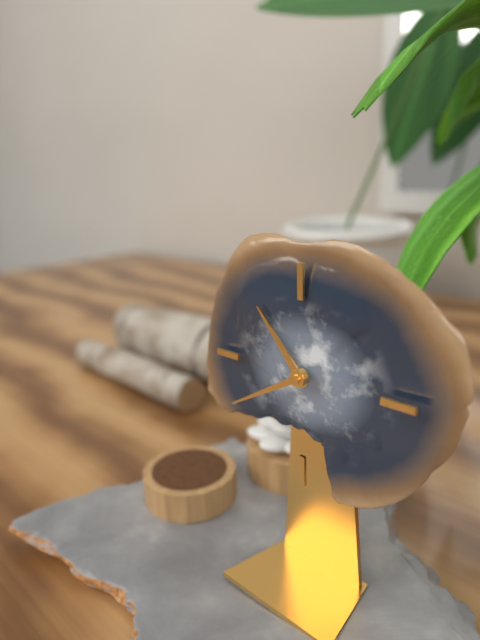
10:40
